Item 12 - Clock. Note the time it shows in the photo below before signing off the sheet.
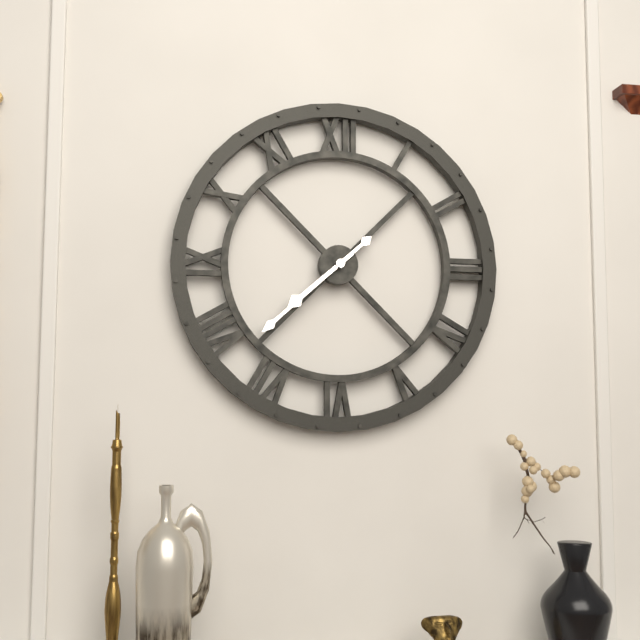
7:38
